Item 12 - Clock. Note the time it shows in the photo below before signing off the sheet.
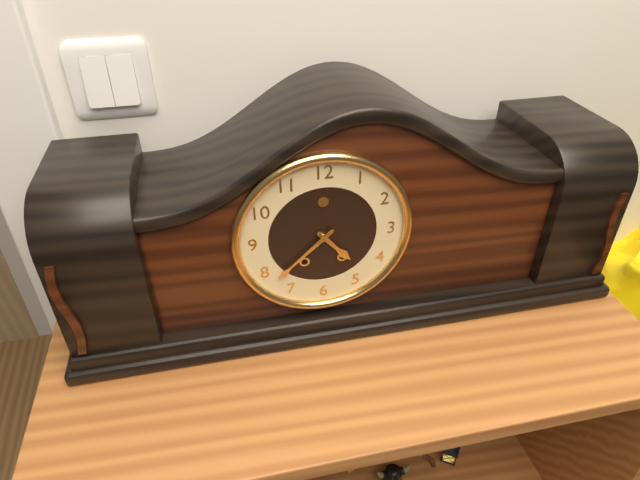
4:38
